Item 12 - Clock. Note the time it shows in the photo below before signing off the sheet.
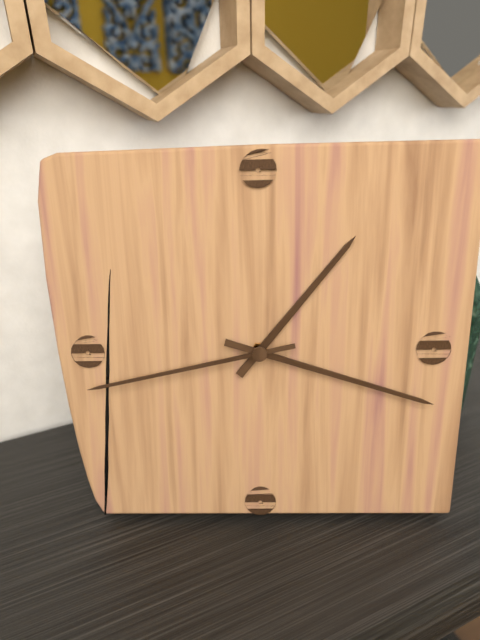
1:18:43
